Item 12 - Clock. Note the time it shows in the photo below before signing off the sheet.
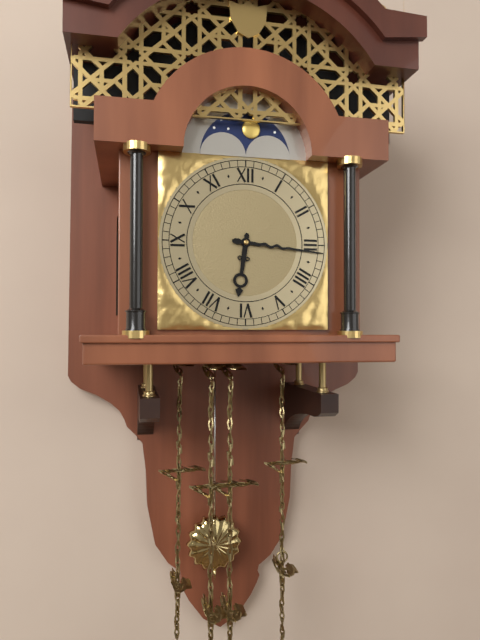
6:16
